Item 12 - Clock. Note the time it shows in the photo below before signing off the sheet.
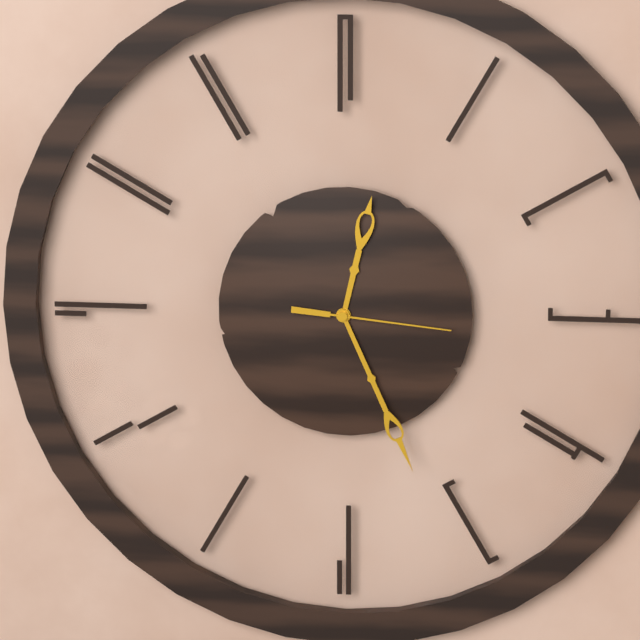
12:26:16
